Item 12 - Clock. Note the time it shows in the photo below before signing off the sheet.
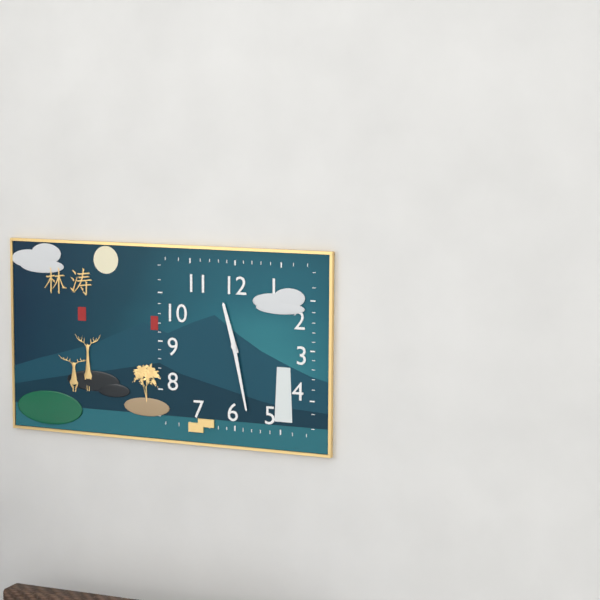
11:28
